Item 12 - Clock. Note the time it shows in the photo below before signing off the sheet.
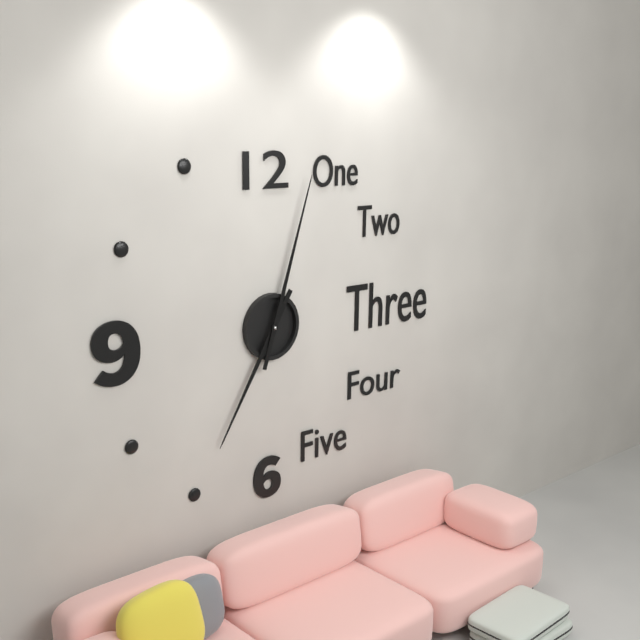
7:03
